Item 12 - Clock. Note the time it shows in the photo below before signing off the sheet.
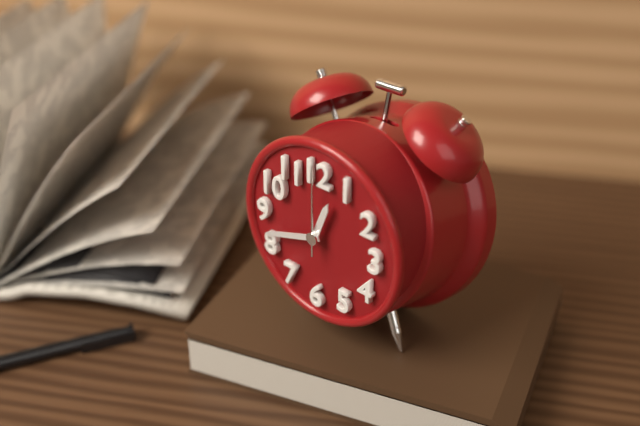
12:42:00
